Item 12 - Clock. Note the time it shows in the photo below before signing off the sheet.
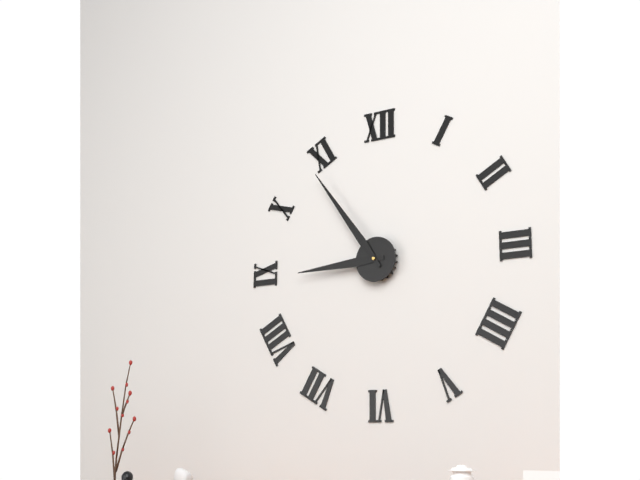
8:54
